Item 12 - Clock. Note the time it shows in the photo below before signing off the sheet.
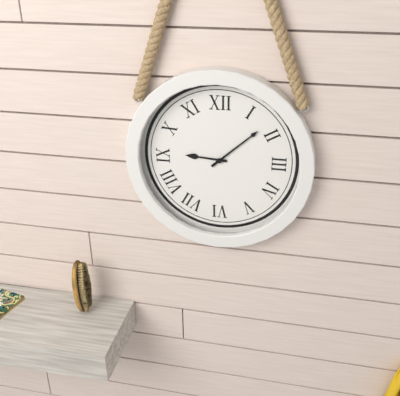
9:08
